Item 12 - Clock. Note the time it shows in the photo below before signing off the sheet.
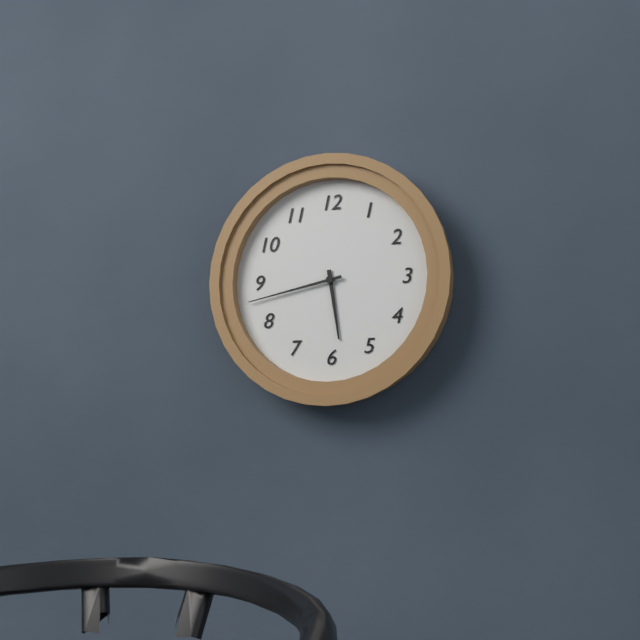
5:43
